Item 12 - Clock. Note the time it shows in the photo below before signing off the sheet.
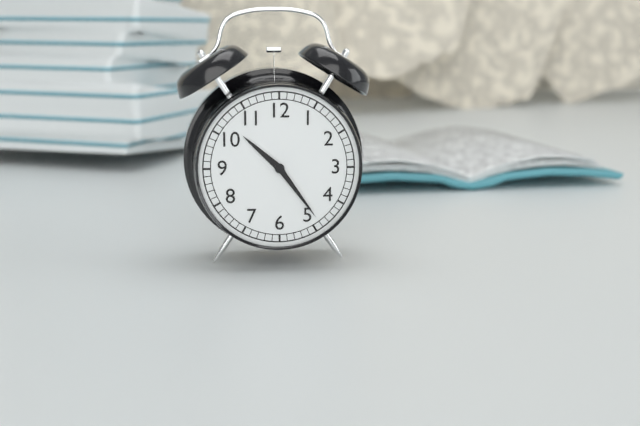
10:24
